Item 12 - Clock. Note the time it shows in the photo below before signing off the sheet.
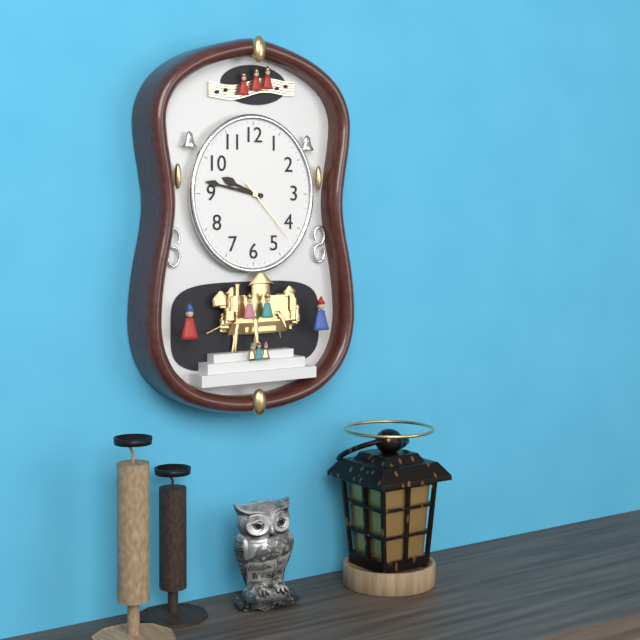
9:47:23
